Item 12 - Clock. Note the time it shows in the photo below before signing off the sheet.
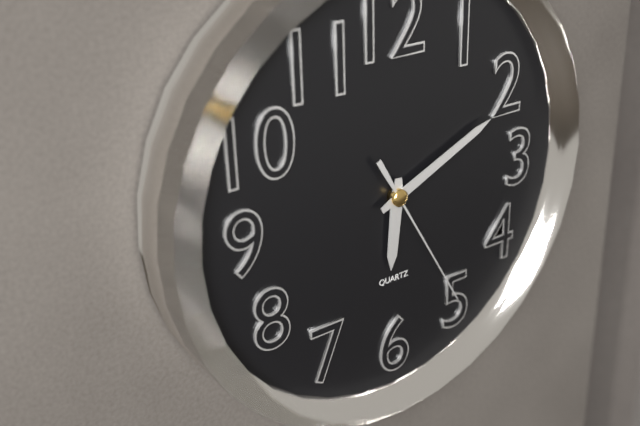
6:11:25
